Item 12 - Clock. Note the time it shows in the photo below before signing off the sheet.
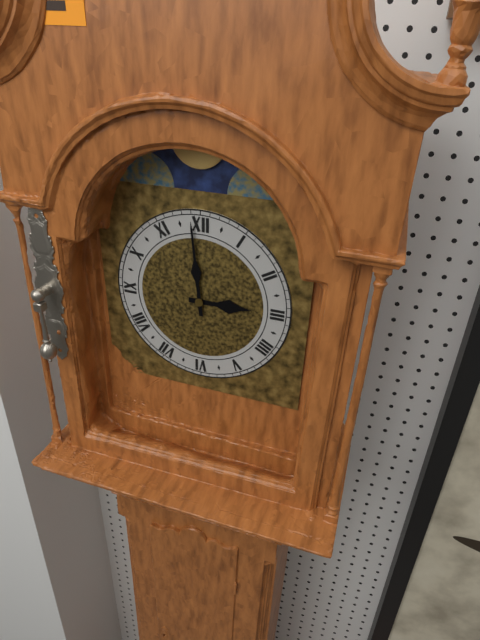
2:59
